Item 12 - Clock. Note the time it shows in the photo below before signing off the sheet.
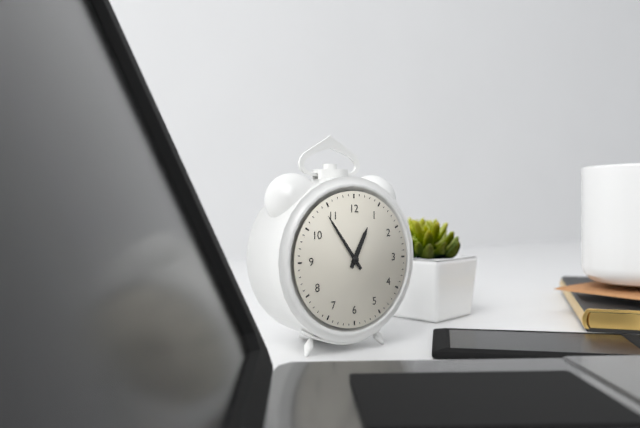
12:54
